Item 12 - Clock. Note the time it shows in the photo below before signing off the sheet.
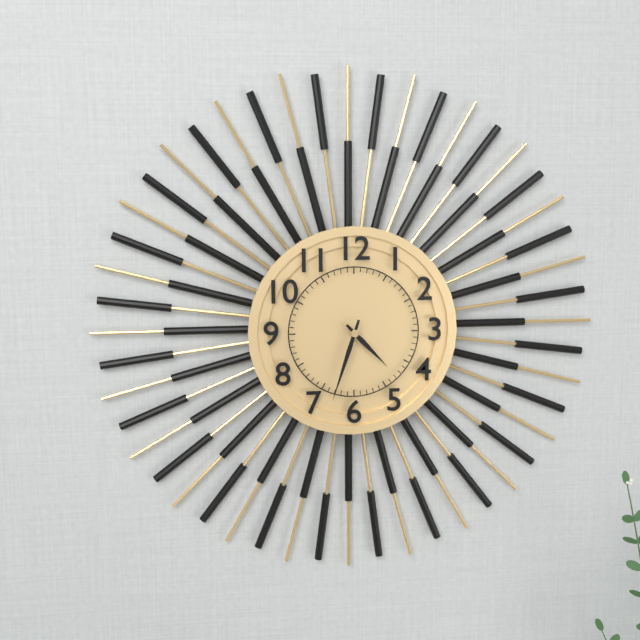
4:33
